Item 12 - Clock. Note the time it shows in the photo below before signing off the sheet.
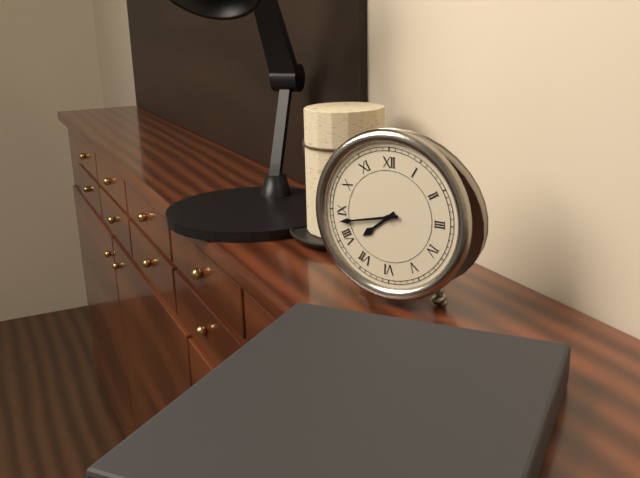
7:43
